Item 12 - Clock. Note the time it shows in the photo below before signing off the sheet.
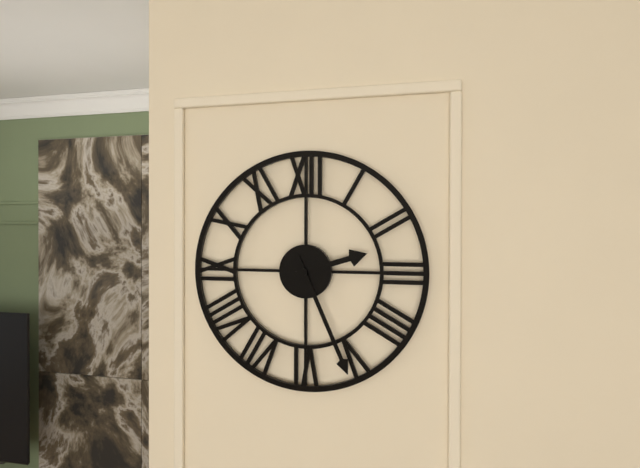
2:26
